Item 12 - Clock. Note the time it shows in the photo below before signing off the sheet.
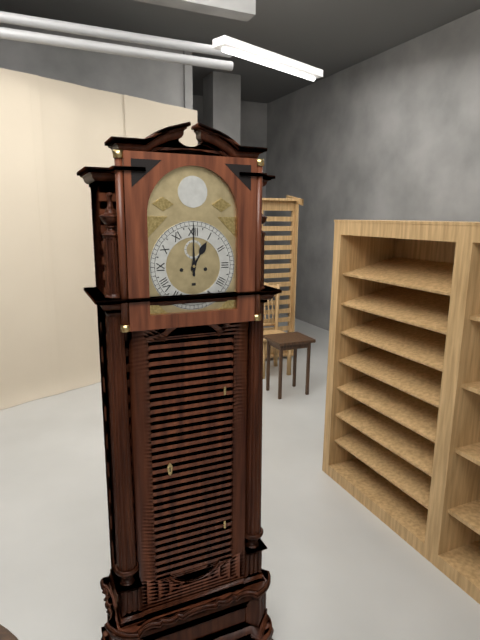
1:00
